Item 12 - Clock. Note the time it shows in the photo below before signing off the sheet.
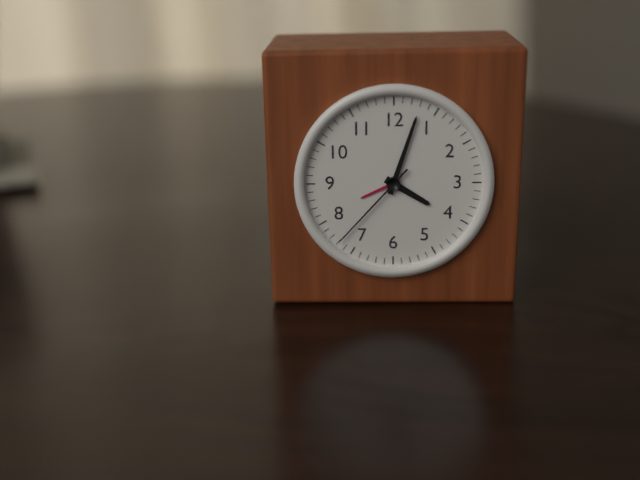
4:03:37
